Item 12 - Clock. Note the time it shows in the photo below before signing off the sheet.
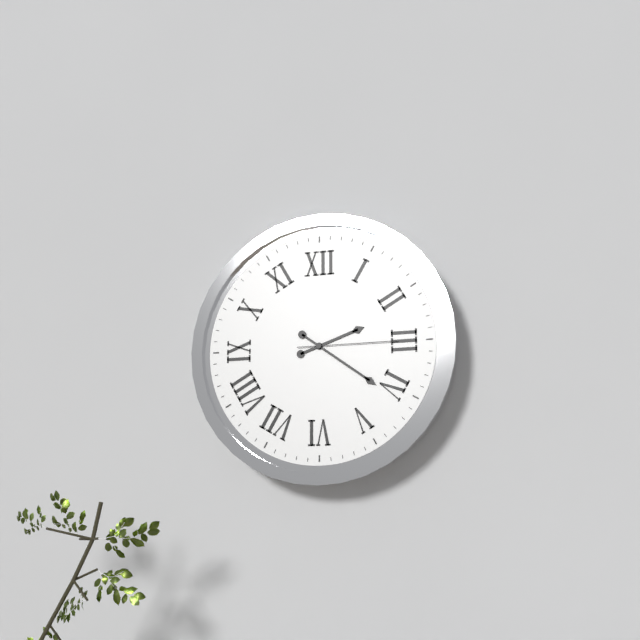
2:21:15
